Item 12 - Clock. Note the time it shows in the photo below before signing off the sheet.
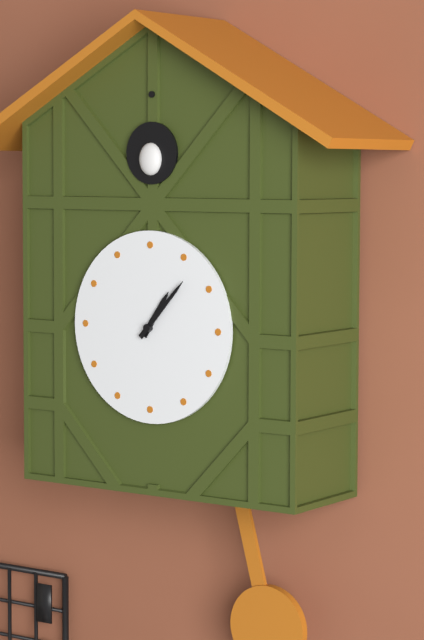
1:07
